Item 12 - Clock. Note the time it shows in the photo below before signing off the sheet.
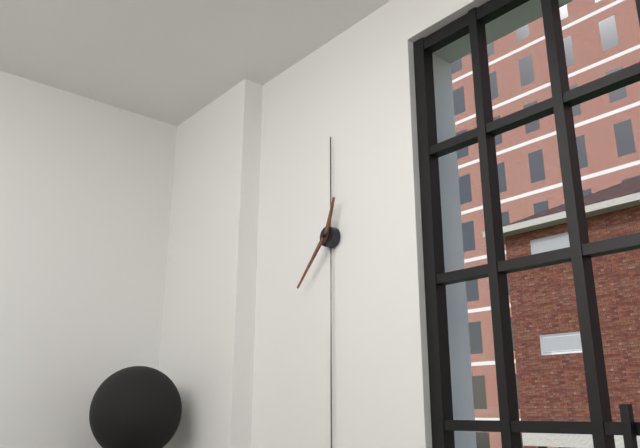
12:37
